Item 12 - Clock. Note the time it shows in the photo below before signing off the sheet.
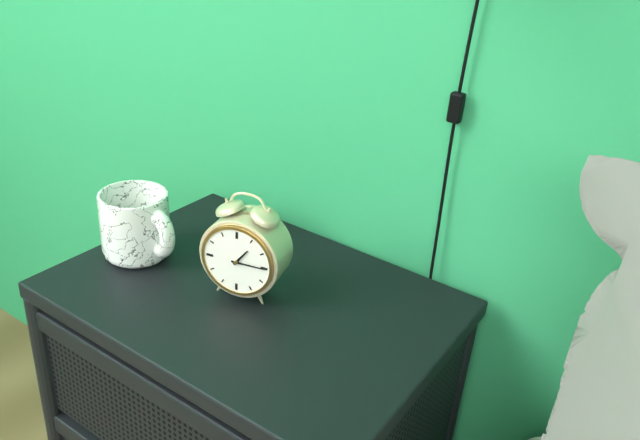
1:15
